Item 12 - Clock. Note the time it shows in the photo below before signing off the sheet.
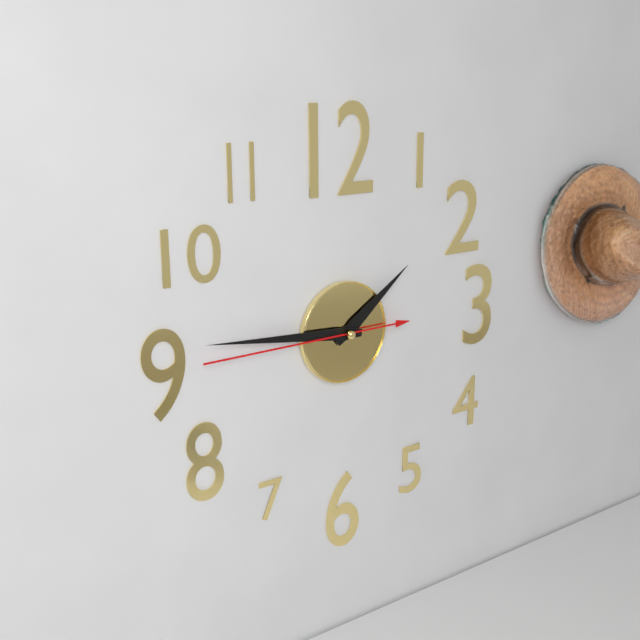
1:46:45
